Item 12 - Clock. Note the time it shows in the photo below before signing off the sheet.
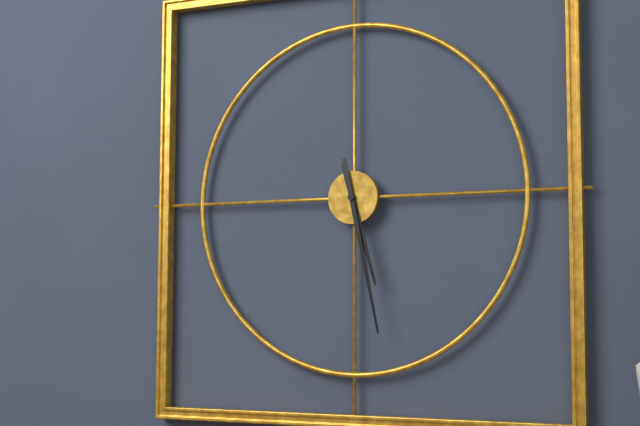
5:28
